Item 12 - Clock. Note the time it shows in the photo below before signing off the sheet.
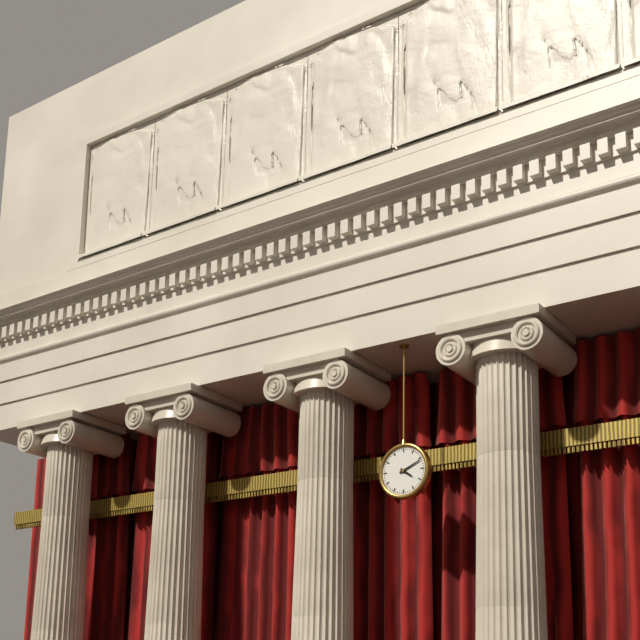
4:11
